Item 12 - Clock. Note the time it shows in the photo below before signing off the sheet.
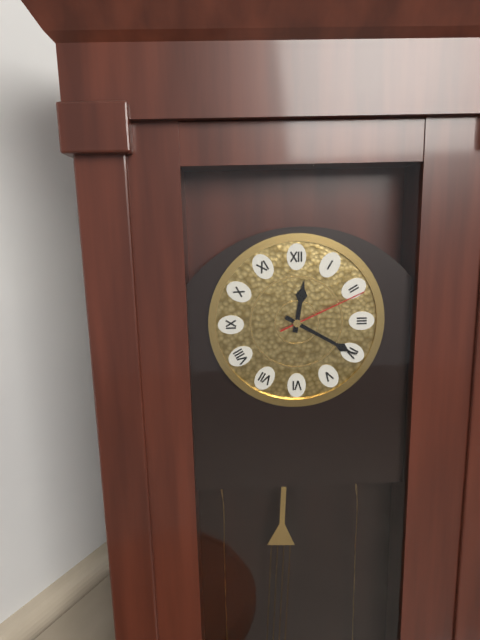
12:20:11
